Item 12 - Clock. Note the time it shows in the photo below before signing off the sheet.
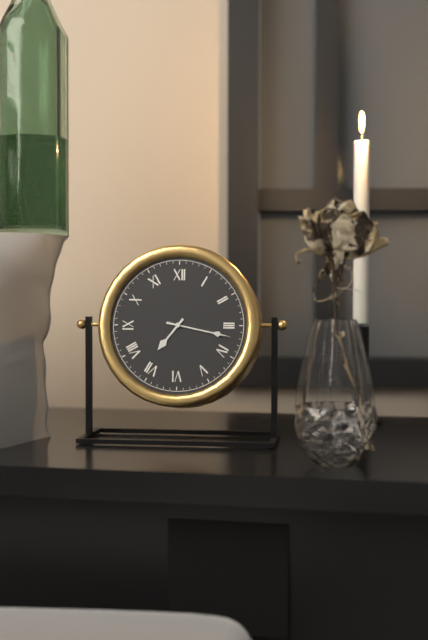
7:17
